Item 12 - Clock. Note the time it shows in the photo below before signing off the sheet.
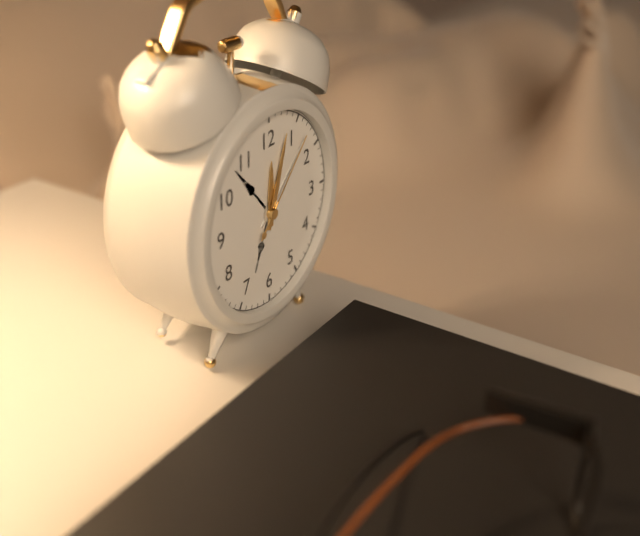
12:03:07
